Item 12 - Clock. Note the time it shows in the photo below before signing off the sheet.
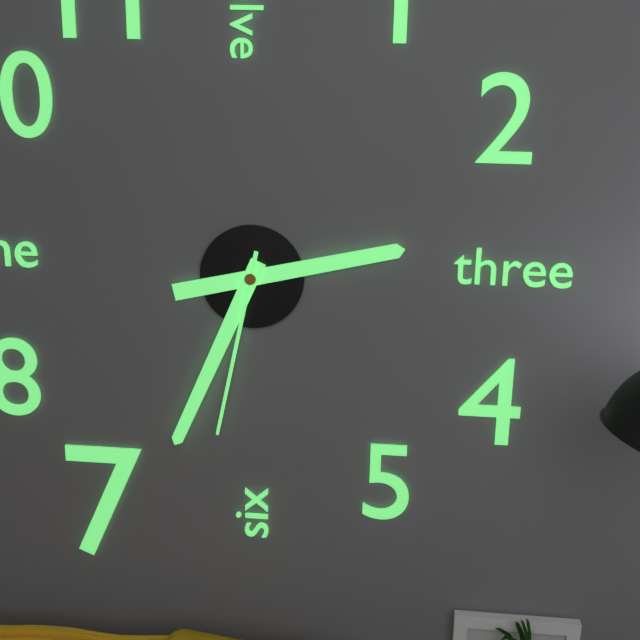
2:34:32
